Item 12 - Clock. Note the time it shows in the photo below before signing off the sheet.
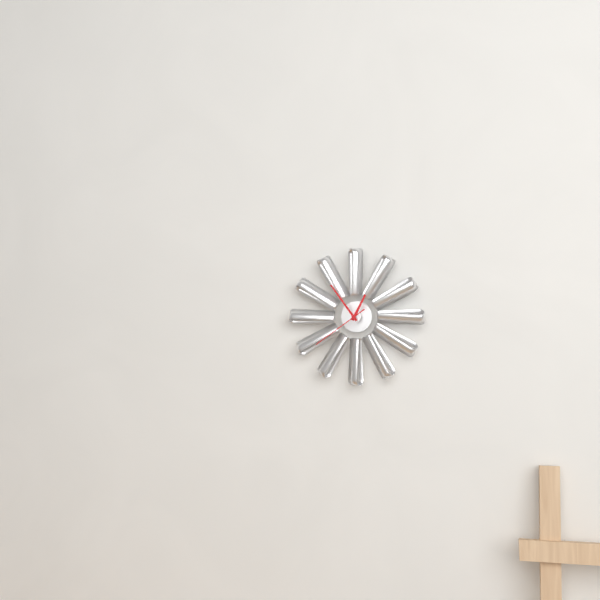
12:54:39
